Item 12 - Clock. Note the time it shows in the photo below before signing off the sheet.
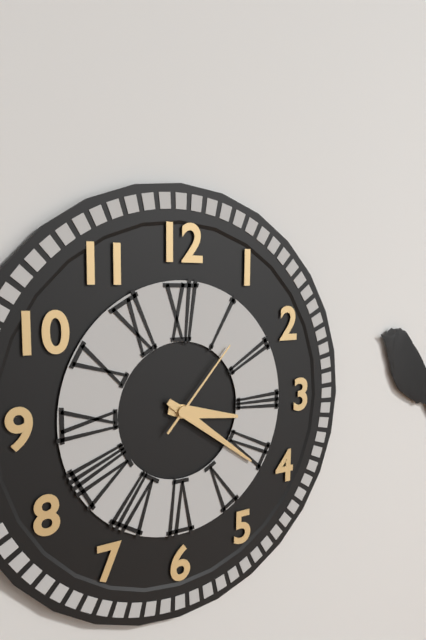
3:21:07
